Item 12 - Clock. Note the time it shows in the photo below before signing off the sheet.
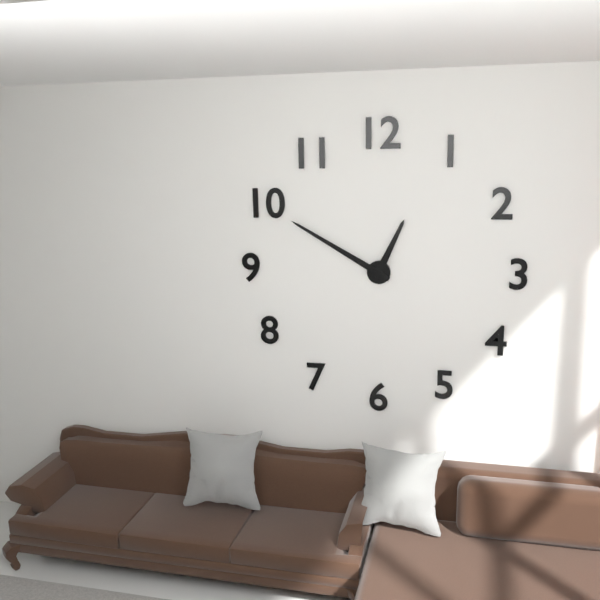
12:50
